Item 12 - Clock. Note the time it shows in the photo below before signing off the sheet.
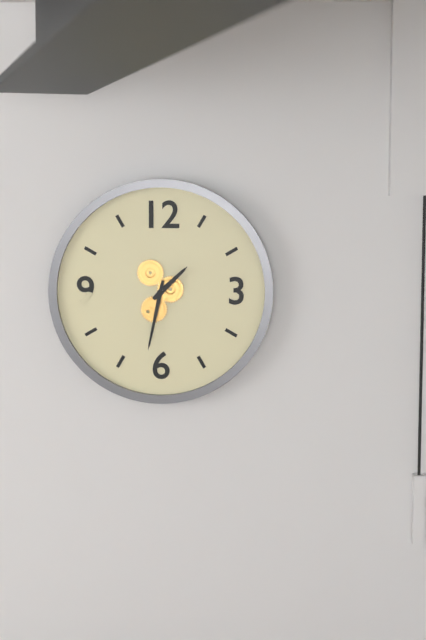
1:32
